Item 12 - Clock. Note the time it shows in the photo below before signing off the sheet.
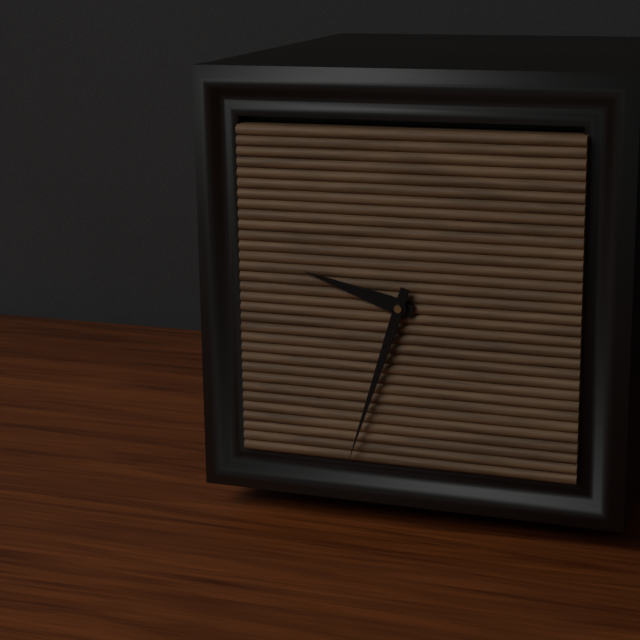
9:33
